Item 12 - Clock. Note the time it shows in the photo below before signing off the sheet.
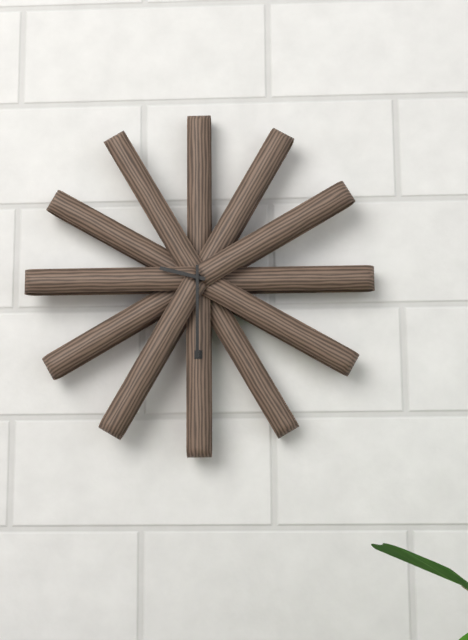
9:30
